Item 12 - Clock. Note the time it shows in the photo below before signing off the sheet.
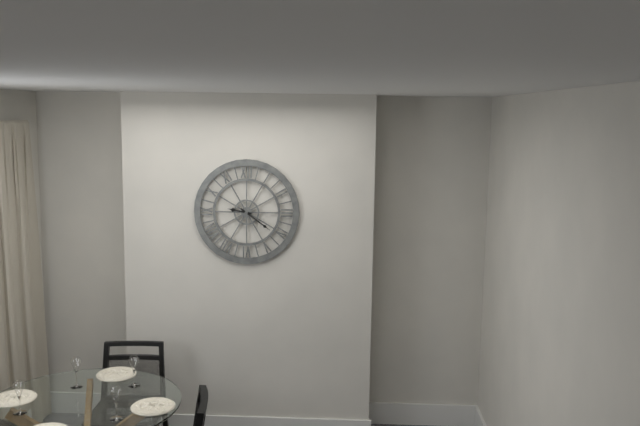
9:21
